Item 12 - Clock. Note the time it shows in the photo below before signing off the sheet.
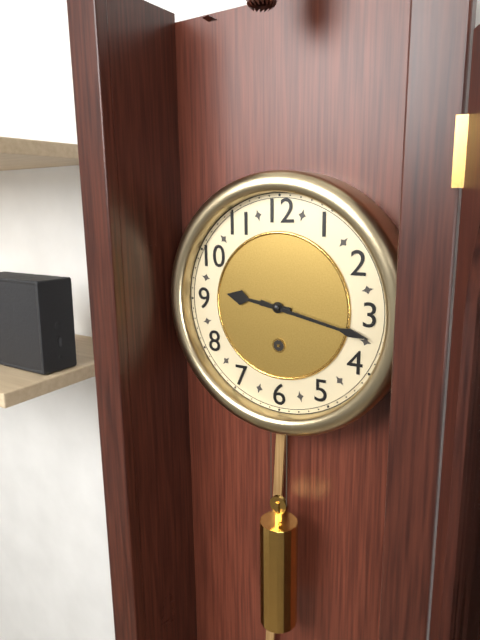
9:17
